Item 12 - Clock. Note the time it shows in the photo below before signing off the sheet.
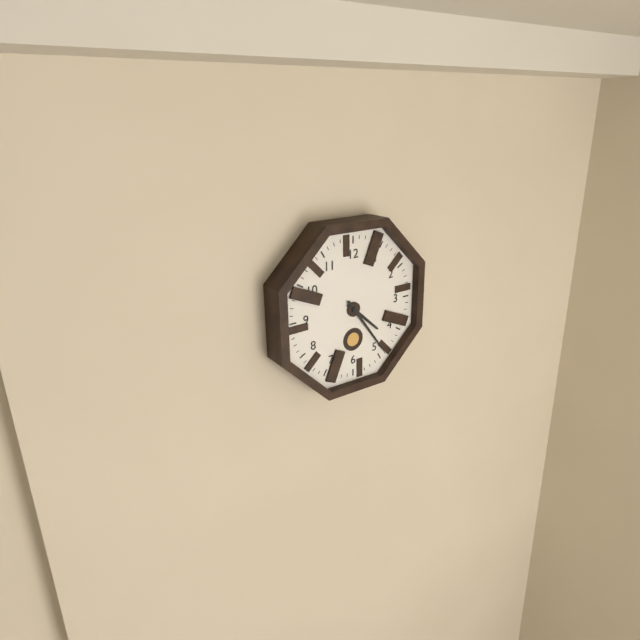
4:24
